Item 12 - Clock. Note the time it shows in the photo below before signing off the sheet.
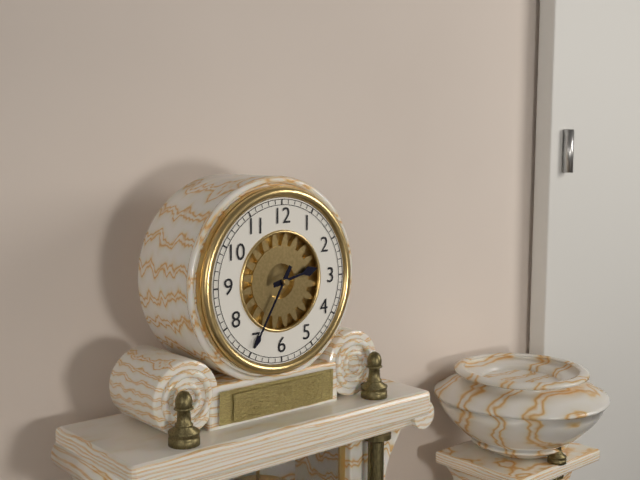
2:35
